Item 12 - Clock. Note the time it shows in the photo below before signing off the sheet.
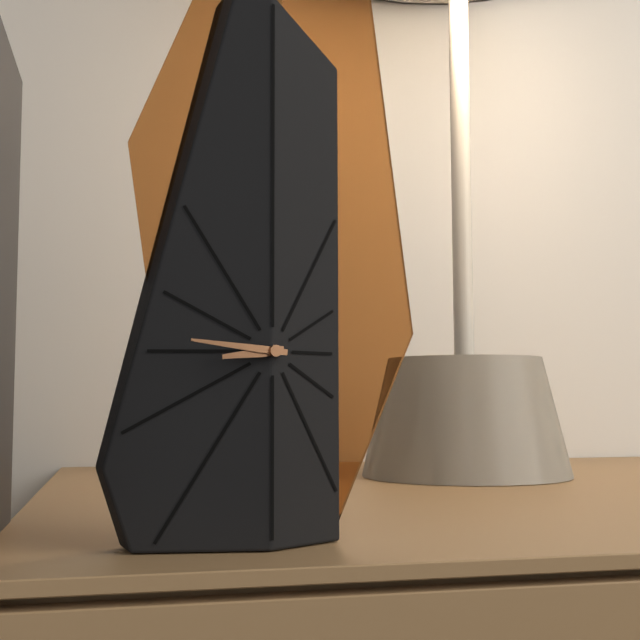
8:46
